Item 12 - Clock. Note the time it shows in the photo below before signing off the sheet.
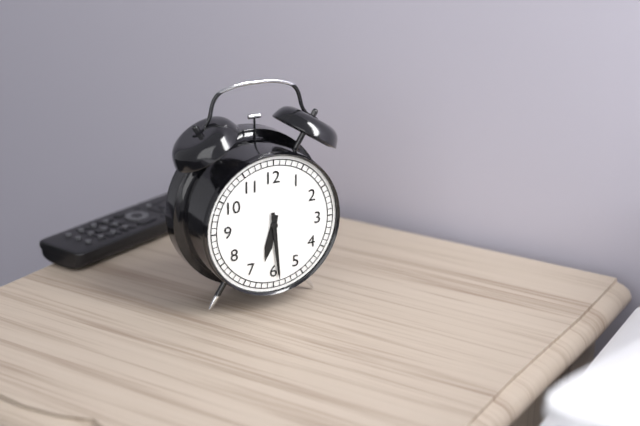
6:29
